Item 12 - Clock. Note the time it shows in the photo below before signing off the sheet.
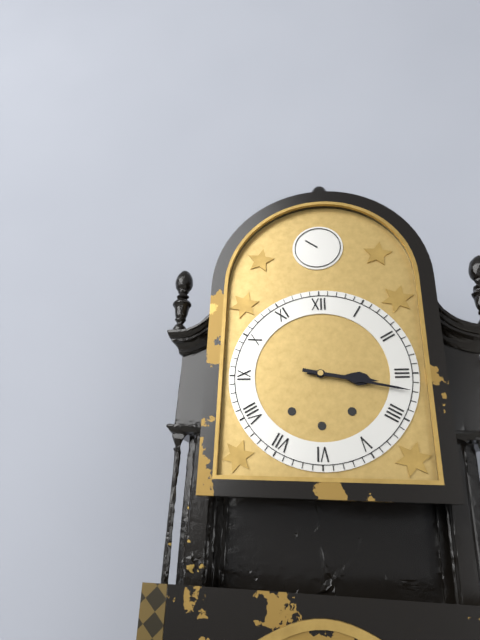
3:17
